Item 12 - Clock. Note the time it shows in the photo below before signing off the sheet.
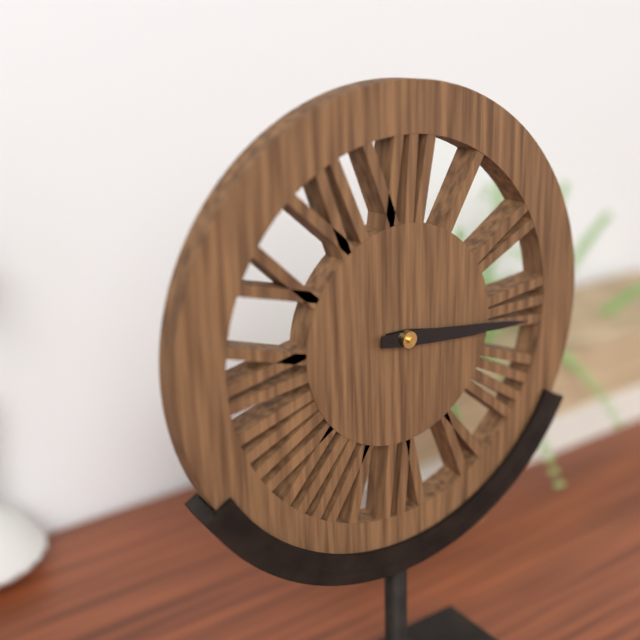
3:16
